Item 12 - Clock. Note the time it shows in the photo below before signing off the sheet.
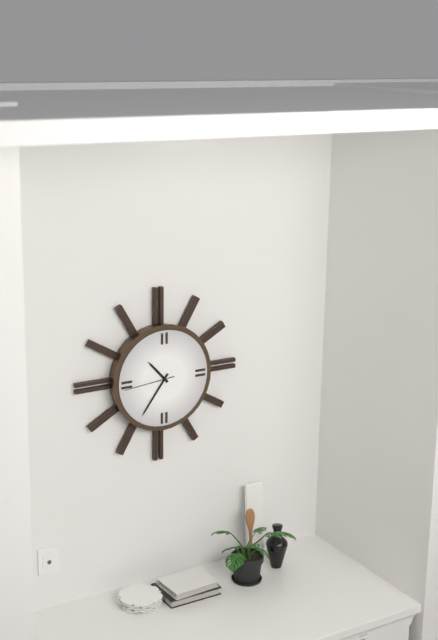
10:36:44
